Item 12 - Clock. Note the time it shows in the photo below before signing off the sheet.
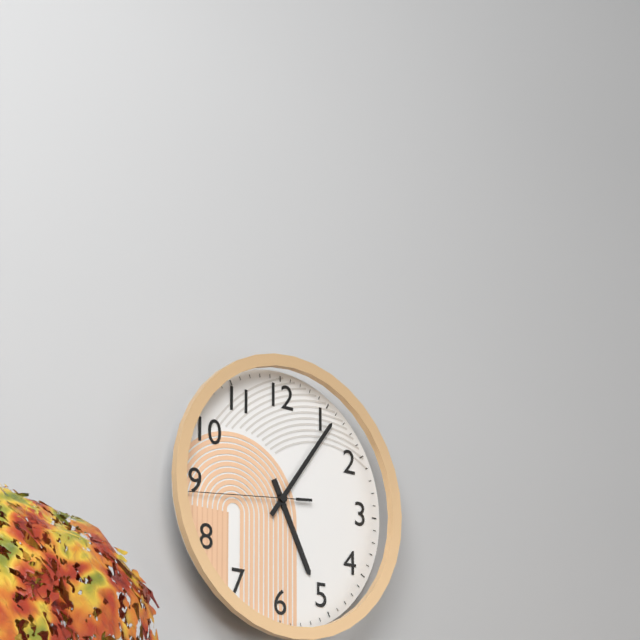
5:06:44
